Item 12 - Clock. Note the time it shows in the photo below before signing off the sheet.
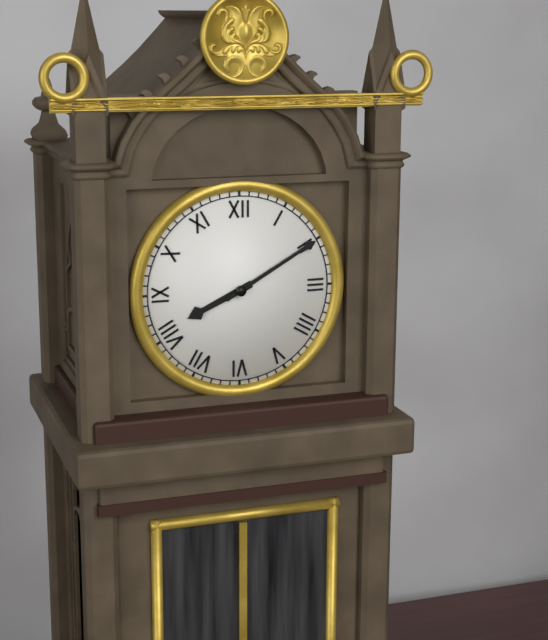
8:10
